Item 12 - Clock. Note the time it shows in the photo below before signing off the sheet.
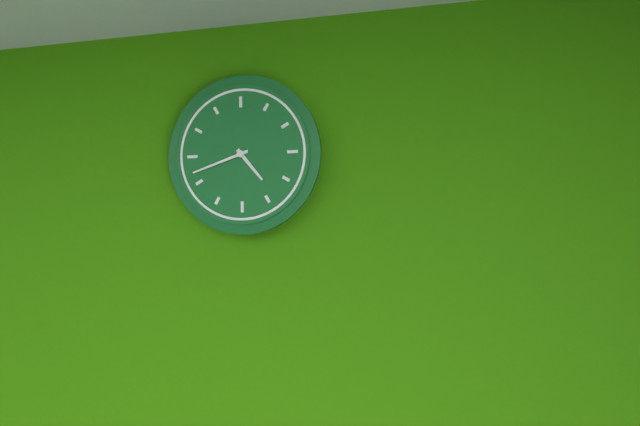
4:42
